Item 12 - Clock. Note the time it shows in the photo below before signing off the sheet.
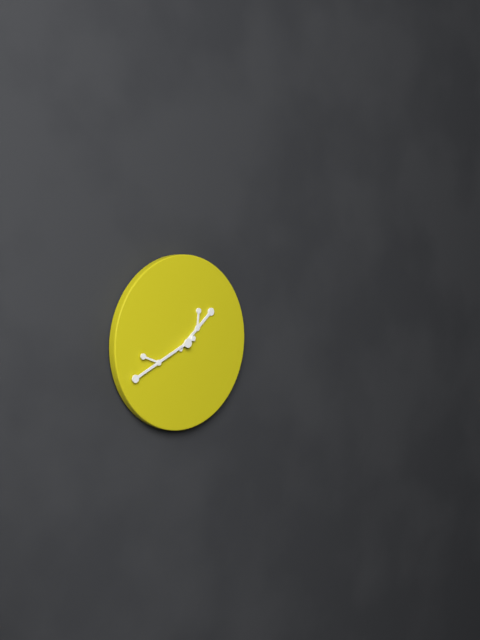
1:41
